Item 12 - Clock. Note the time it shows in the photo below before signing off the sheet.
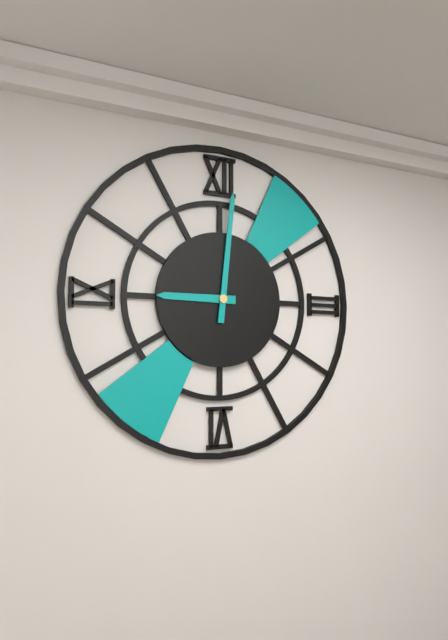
9:01
